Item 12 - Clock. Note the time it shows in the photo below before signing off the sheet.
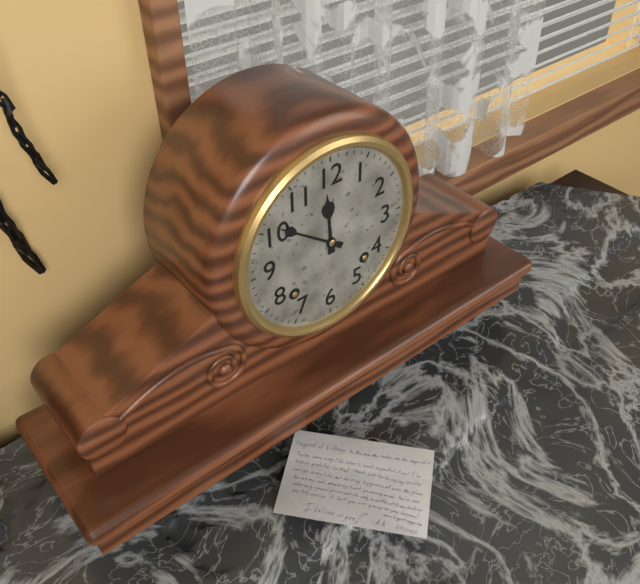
11:51
